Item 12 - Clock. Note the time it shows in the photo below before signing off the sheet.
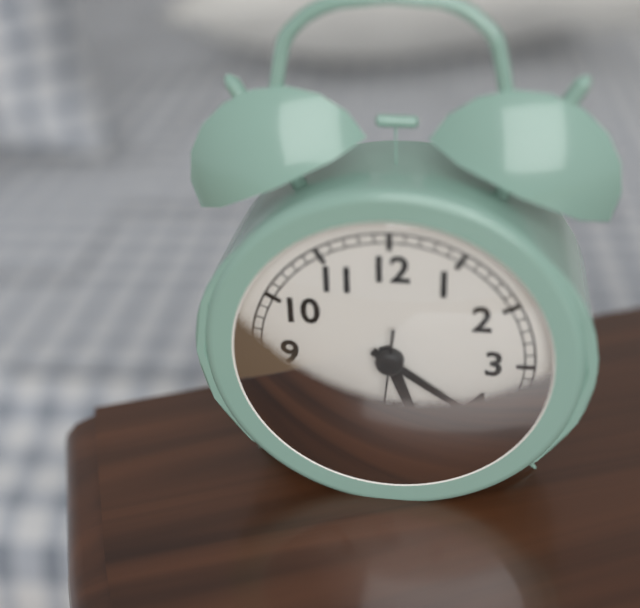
5:21:31
